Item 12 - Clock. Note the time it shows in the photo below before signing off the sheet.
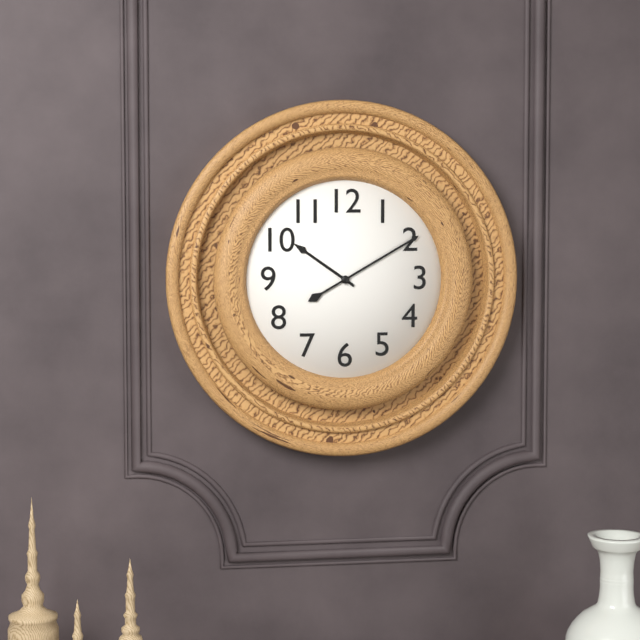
10:10
